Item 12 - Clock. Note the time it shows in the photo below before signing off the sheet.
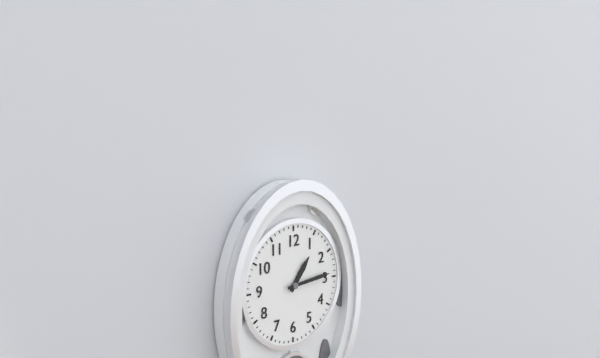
1:14
